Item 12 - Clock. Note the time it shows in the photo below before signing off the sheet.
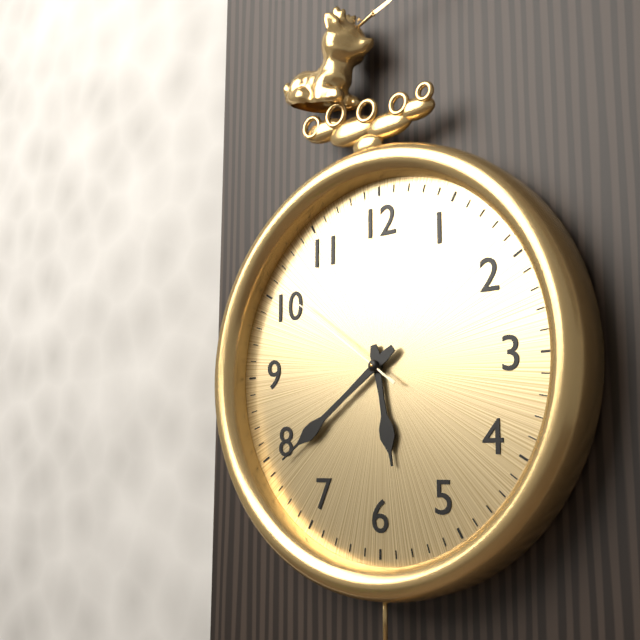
5:39:51
